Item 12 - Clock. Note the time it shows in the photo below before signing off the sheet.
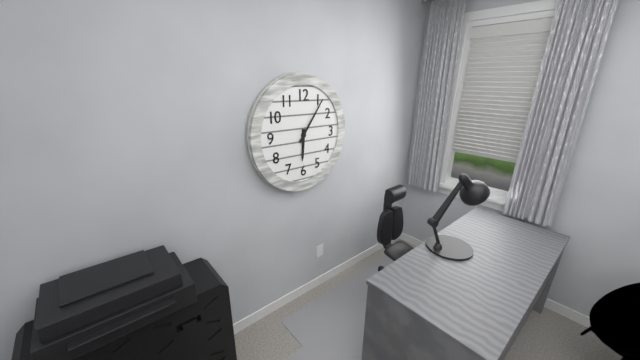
6:06
